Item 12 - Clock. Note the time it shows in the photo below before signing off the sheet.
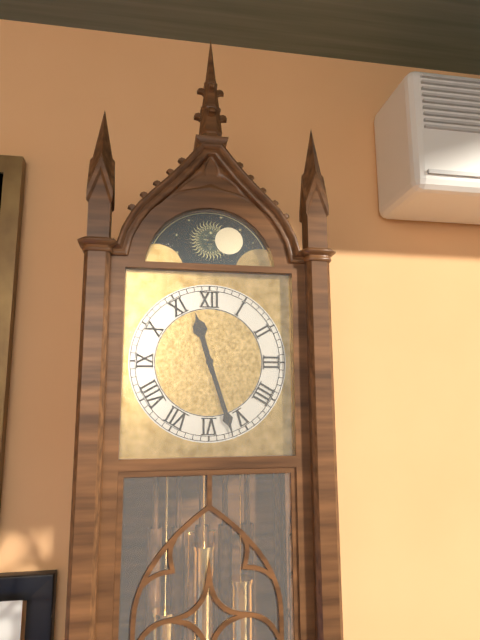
11:27
